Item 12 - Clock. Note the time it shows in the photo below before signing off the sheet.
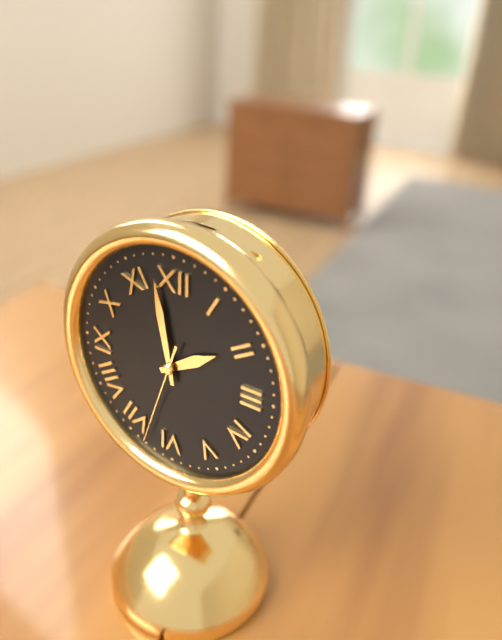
1:58:33
